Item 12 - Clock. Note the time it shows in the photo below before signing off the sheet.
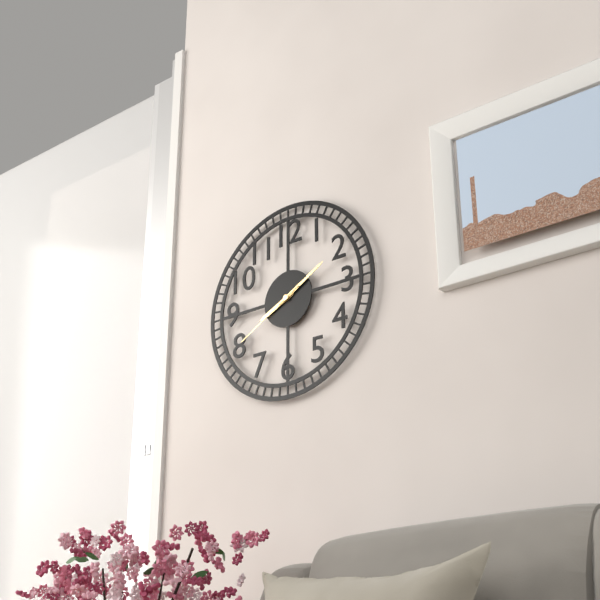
8:10:40
